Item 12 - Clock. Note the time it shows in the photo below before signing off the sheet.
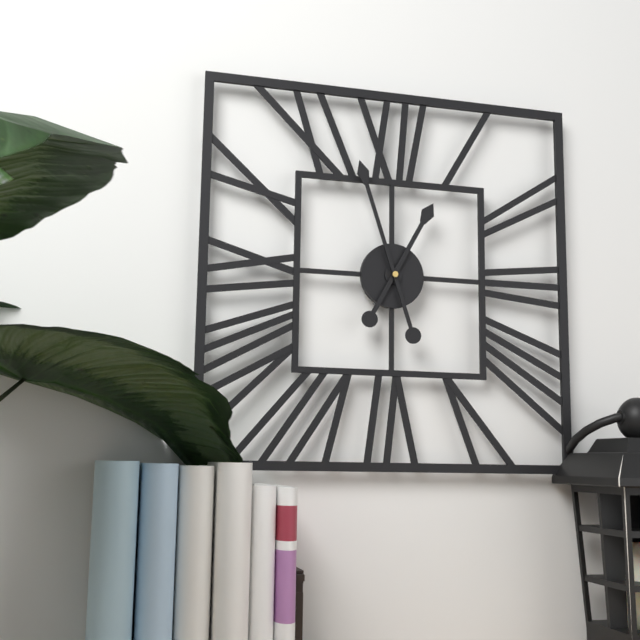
12:57
